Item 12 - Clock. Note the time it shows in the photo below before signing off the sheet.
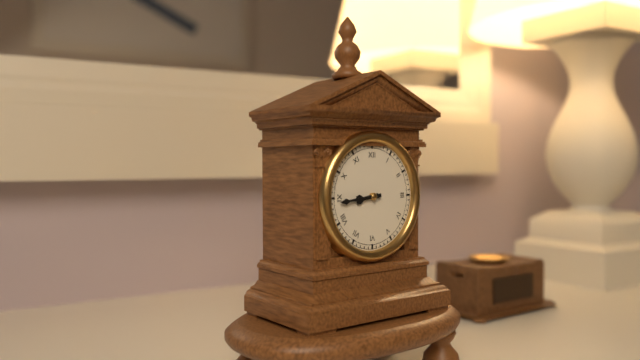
8:44
